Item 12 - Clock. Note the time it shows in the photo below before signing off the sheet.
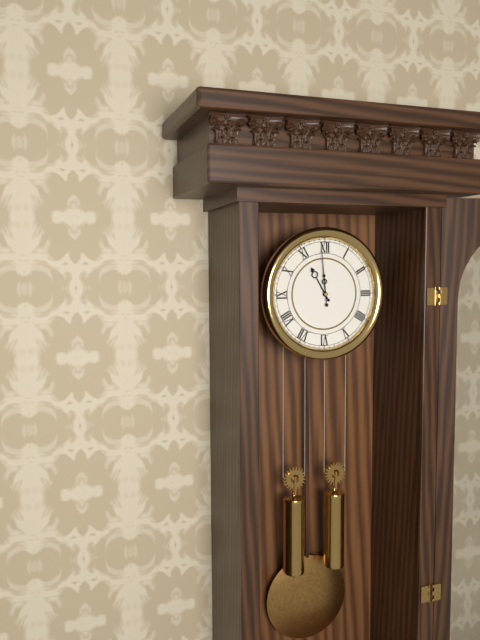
10:59
